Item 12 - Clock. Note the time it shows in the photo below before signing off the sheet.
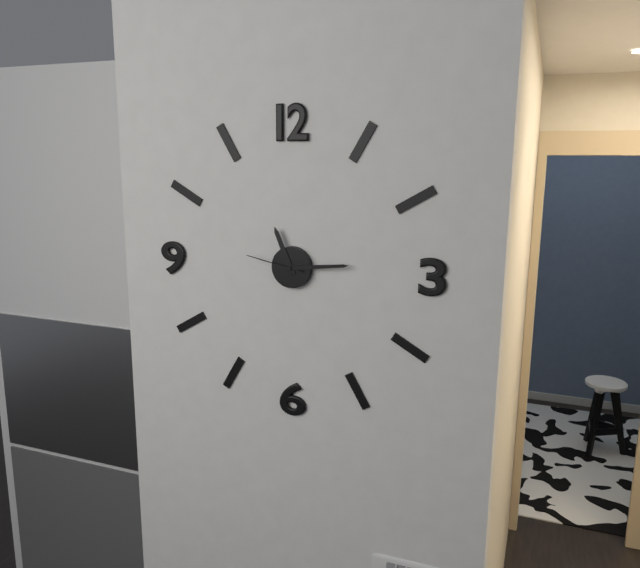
11:14:47
